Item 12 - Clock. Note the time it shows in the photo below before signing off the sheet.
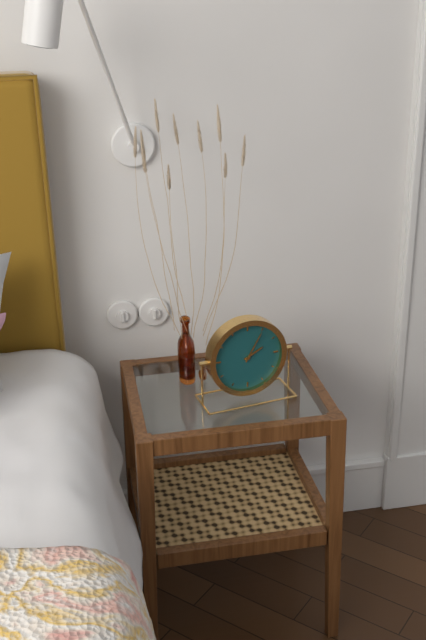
2:05
